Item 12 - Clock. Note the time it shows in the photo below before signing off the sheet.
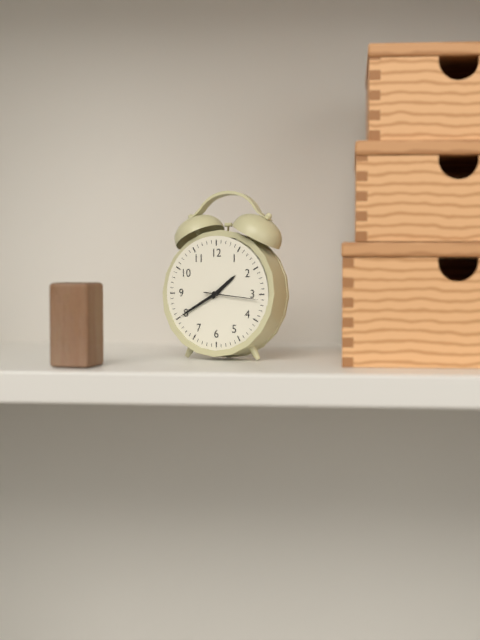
1:40:16
